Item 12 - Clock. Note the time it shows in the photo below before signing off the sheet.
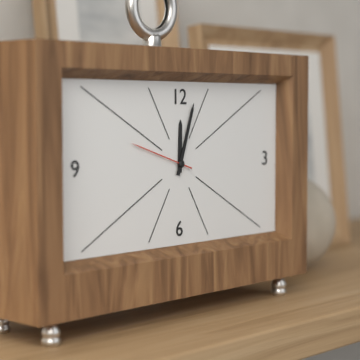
12:03:48
